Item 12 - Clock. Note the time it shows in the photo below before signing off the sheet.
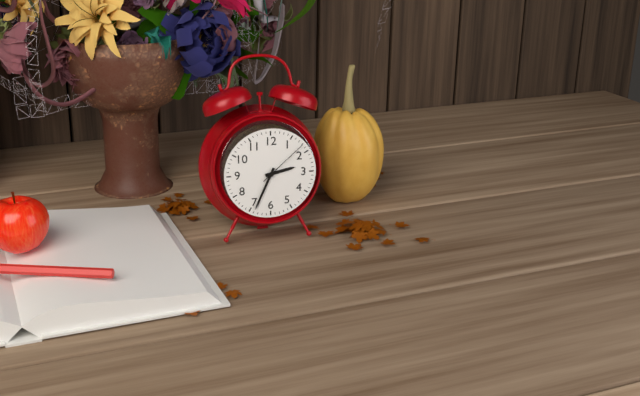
2:34:08
